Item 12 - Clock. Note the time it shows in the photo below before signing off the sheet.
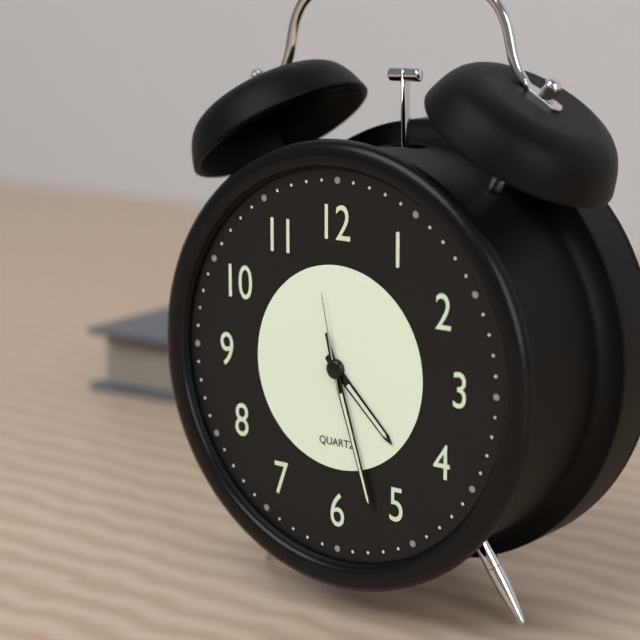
4:27:58
